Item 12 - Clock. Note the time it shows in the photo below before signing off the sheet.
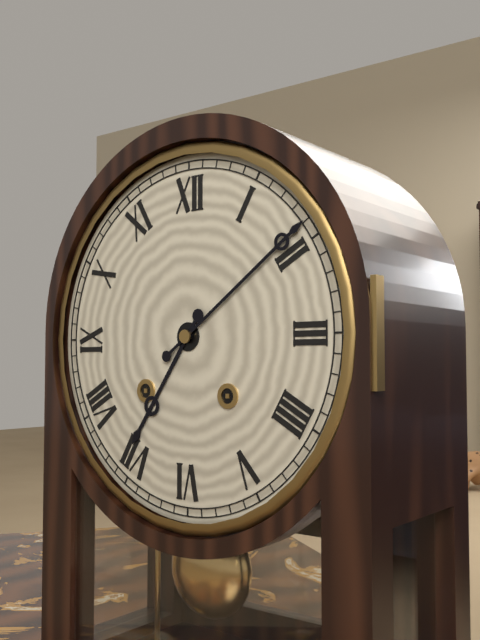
7:09
